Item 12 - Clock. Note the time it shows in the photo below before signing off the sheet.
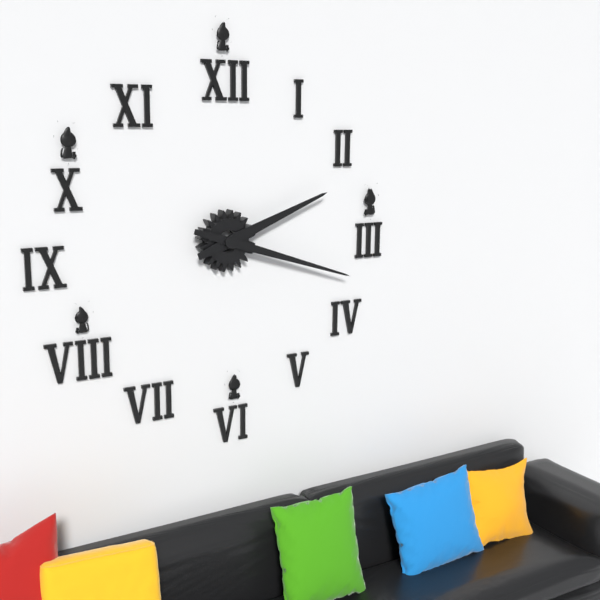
2:18
